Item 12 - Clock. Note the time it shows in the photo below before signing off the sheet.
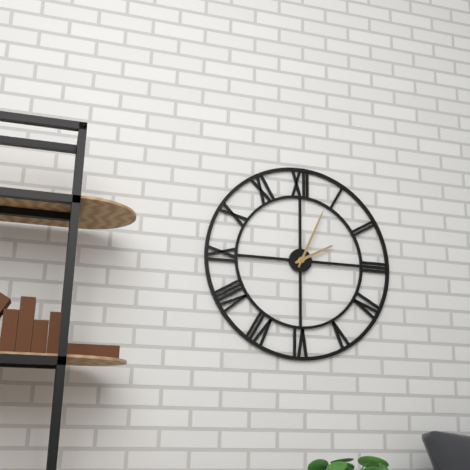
2:04
